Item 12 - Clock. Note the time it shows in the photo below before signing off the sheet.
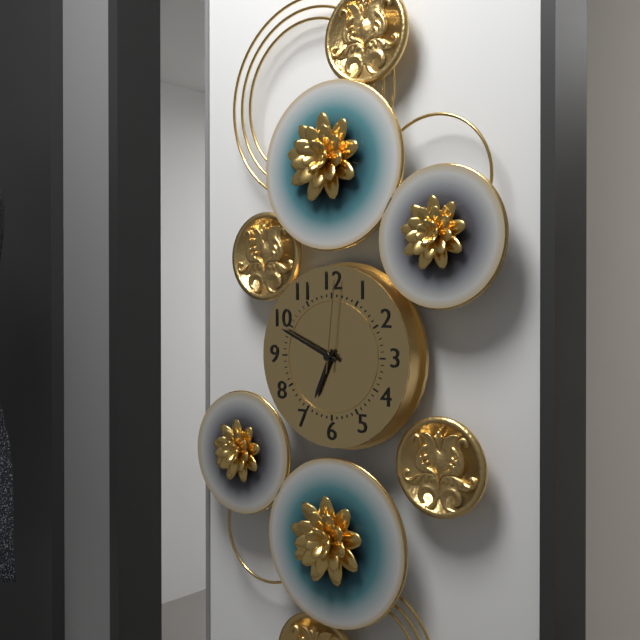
6:49:01
